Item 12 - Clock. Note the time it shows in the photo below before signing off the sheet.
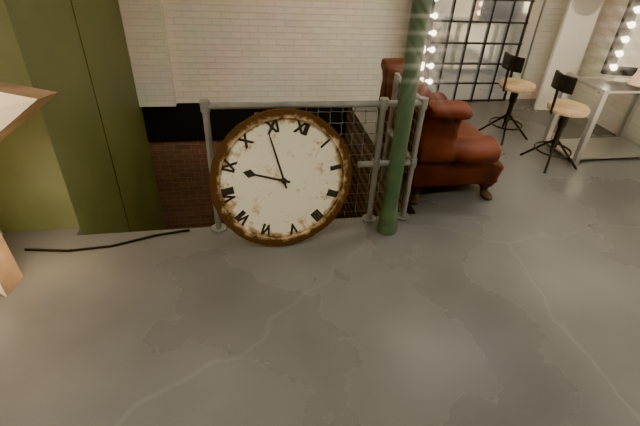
8:54
